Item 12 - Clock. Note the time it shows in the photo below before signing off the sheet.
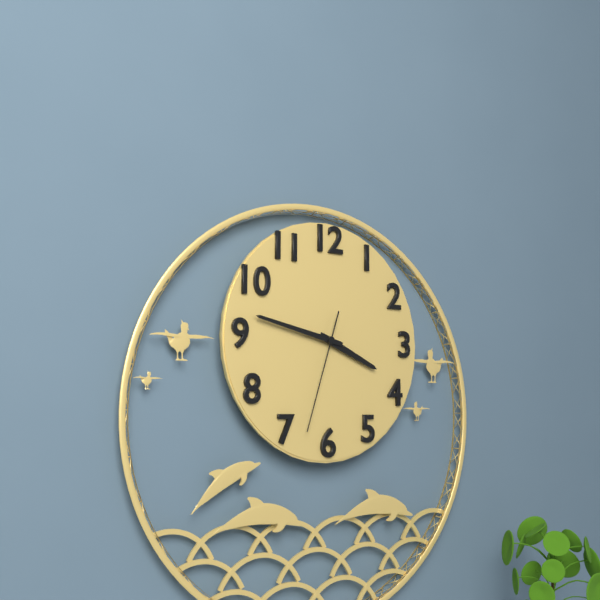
3:47:33
